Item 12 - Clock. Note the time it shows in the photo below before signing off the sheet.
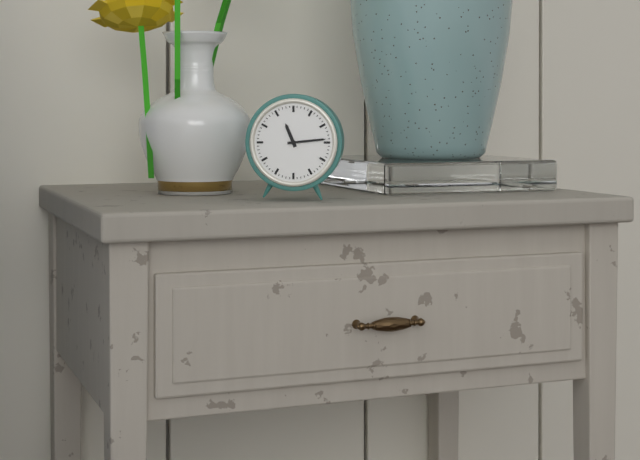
11:14
